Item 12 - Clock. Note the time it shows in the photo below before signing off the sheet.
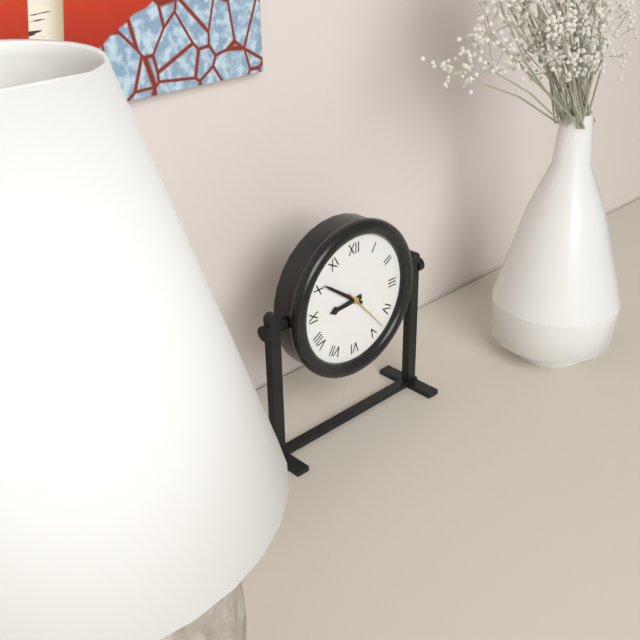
8:51
